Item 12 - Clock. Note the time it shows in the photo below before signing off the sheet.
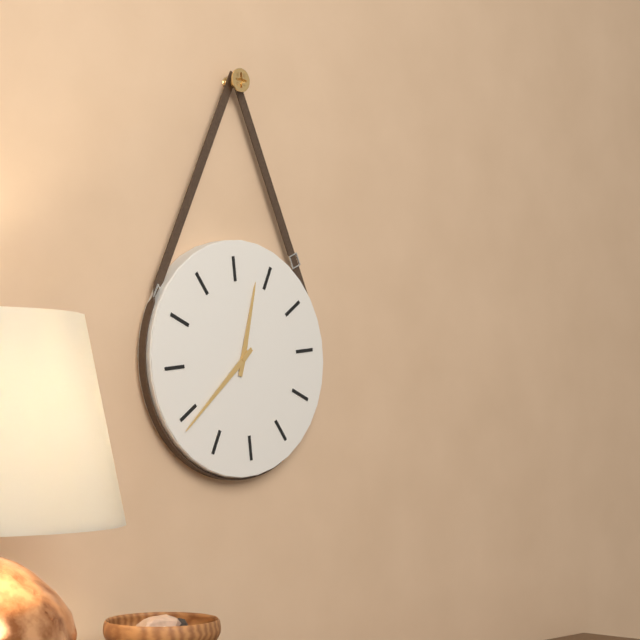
12:39
